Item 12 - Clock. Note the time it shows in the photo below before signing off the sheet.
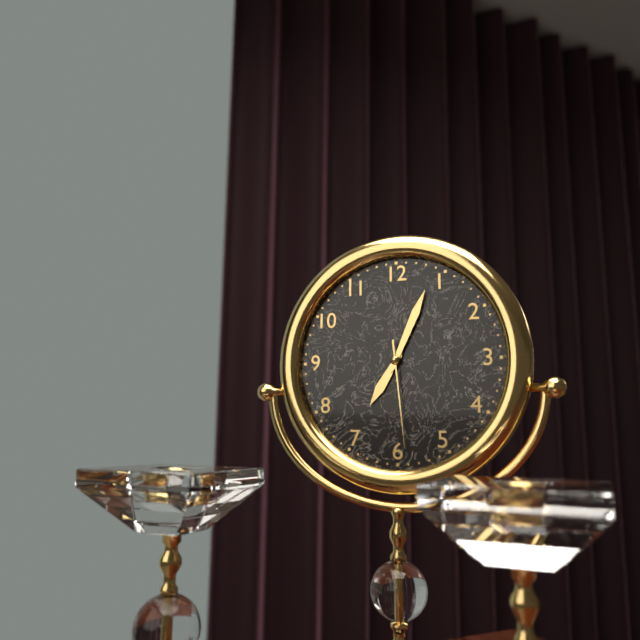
7:04:29
